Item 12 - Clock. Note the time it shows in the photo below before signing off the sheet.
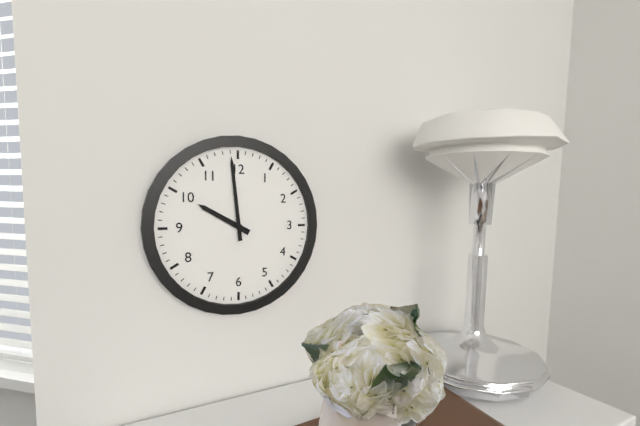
9:59
